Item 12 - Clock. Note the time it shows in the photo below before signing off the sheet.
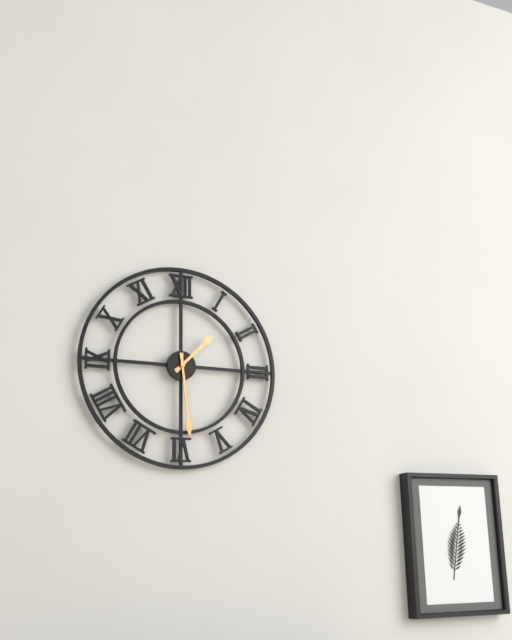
1:29
